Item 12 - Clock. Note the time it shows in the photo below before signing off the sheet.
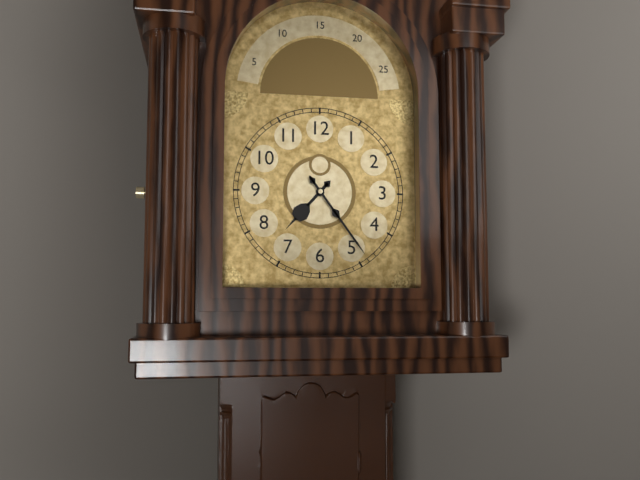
7:24
